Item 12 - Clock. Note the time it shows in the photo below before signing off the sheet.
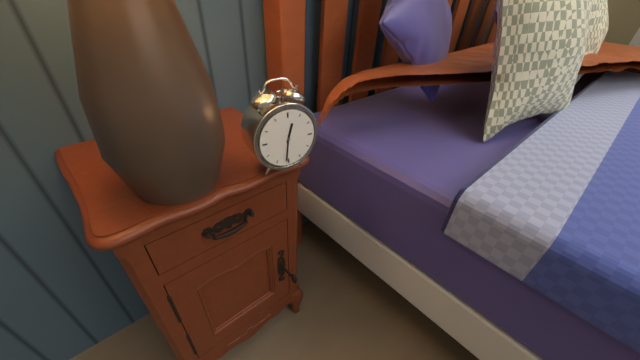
12:31
